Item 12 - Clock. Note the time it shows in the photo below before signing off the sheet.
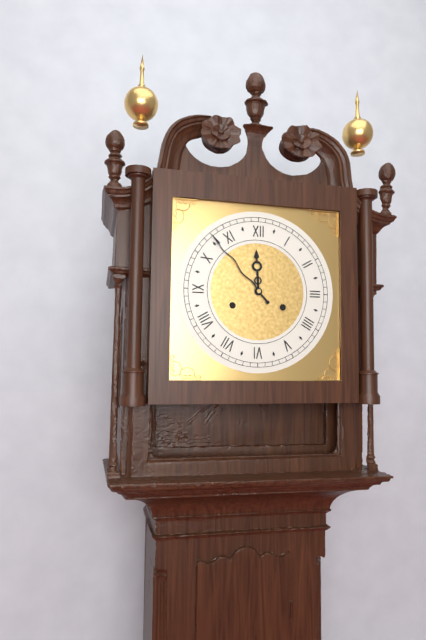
11:53
